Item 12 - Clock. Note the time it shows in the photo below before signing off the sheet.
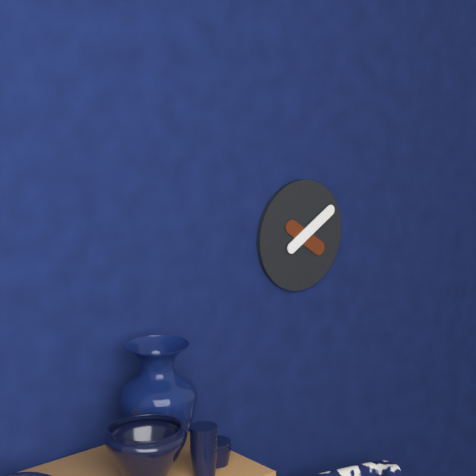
4:10
